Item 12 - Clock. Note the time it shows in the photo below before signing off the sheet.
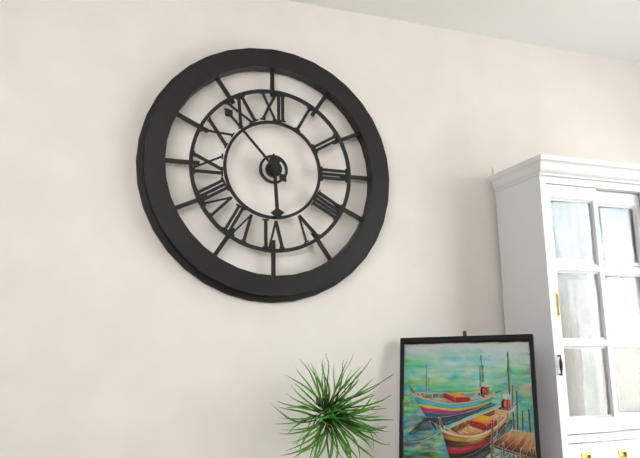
5:53
